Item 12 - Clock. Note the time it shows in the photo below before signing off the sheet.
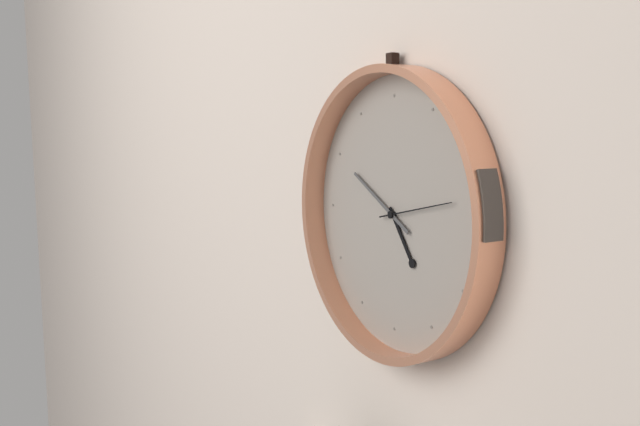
4:50:13
